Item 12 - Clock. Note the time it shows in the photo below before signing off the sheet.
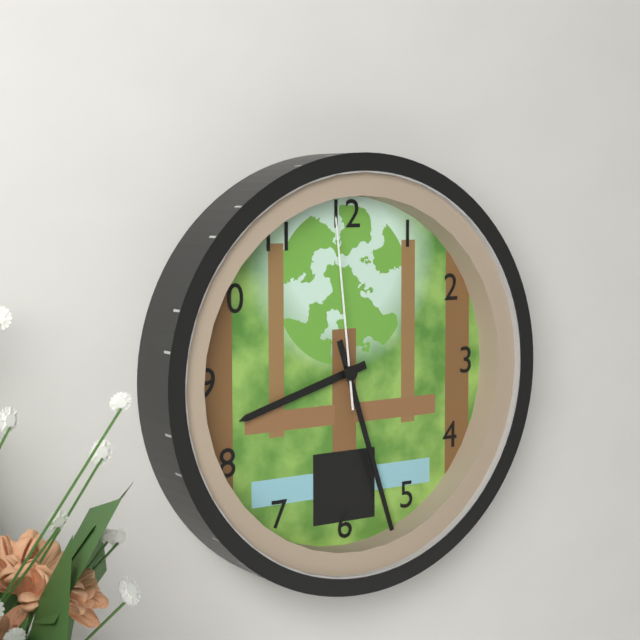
8:27:59
